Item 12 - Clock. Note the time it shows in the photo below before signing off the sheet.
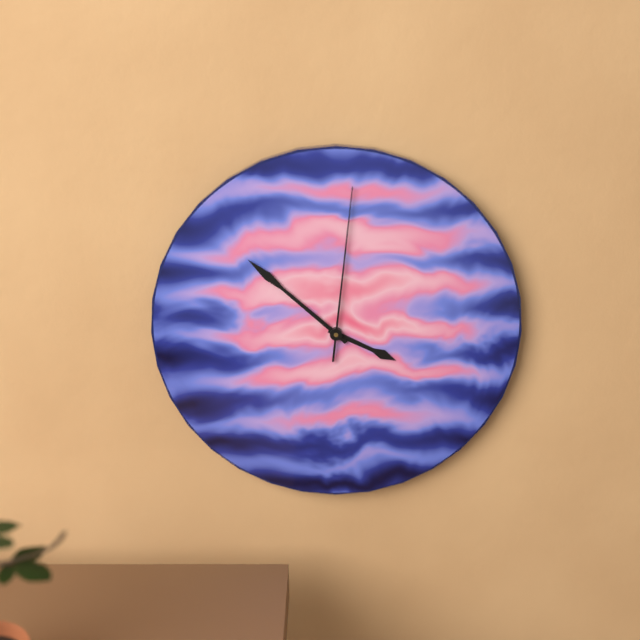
3:52:01
